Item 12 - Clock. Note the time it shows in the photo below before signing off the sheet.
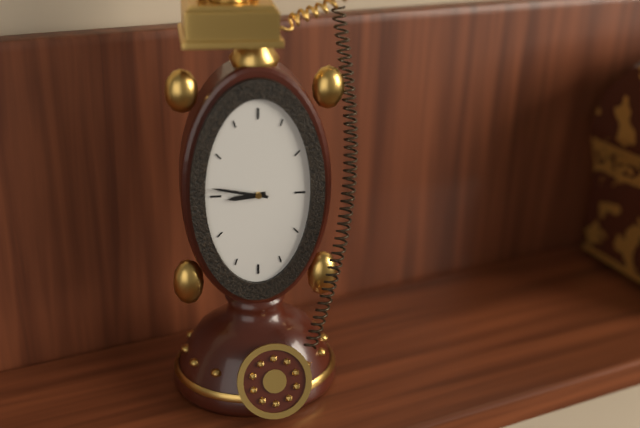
8:47
